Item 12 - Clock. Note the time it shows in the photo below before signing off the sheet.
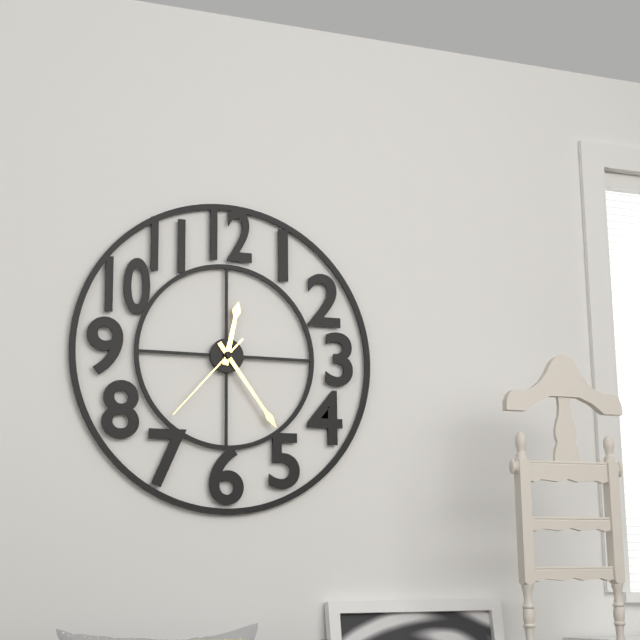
12:24:37
